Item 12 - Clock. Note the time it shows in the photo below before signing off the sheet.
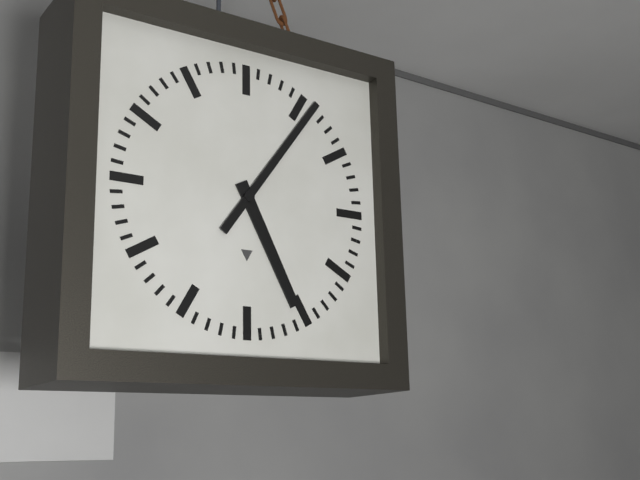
5:06
